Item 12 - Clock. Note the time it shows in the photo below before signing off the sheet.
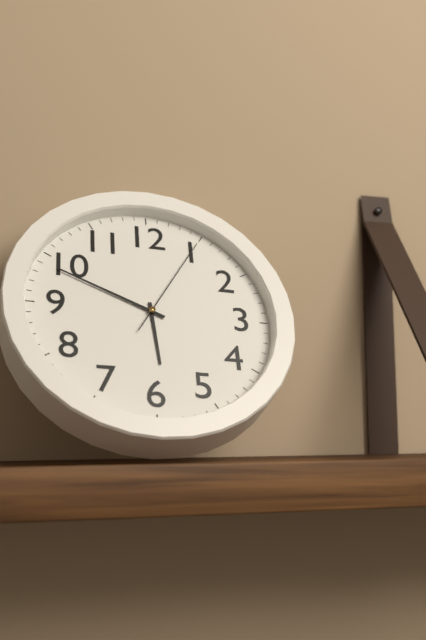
5:49:05
